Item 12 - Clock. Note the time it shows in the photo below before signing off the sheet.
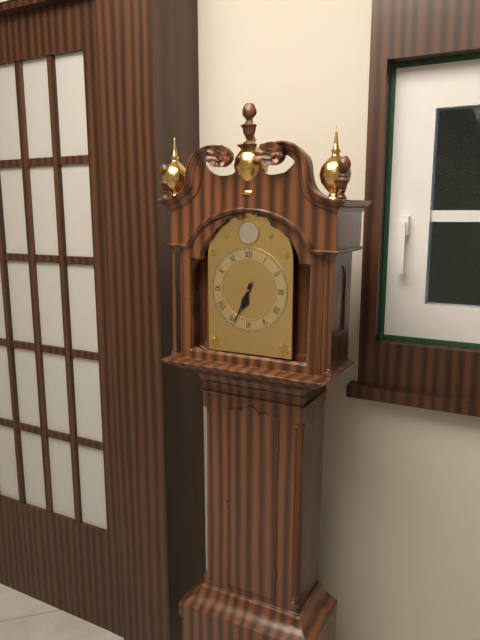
6:34
